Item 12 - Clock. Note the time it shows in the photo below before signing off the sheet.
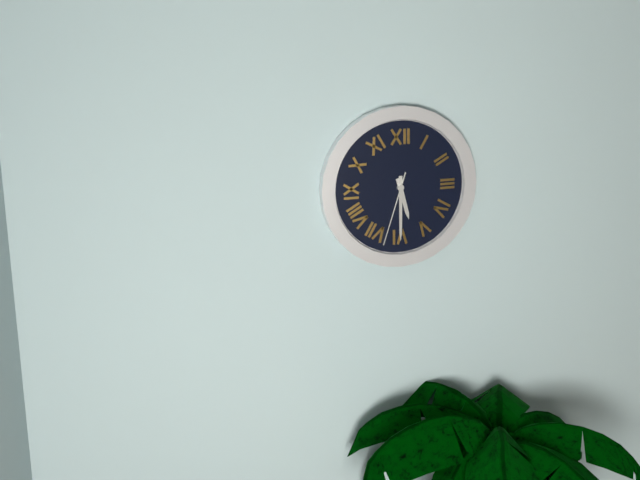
5:30:33
